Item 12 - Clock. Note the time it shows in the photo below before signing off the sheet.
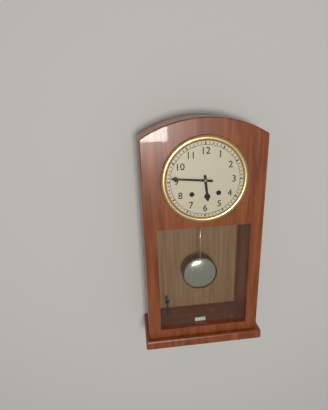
5:46
